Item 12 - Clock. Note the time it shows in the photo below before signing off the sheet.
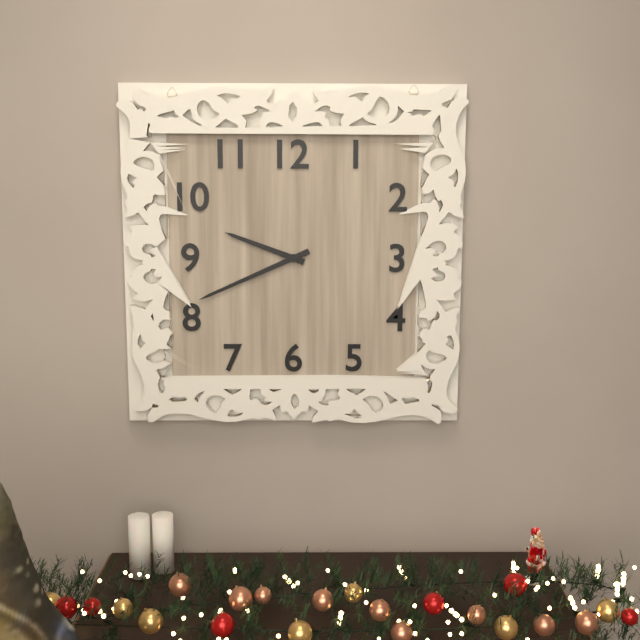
9:41
